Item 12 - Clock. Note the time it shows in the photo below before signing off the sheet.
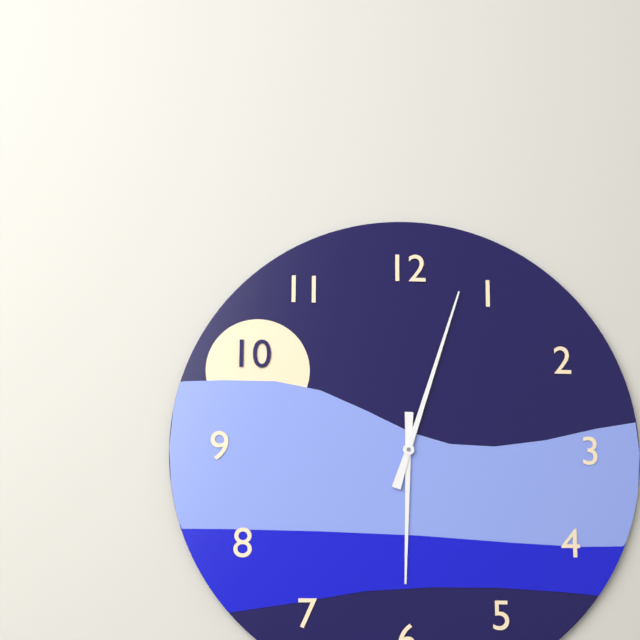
6:03
